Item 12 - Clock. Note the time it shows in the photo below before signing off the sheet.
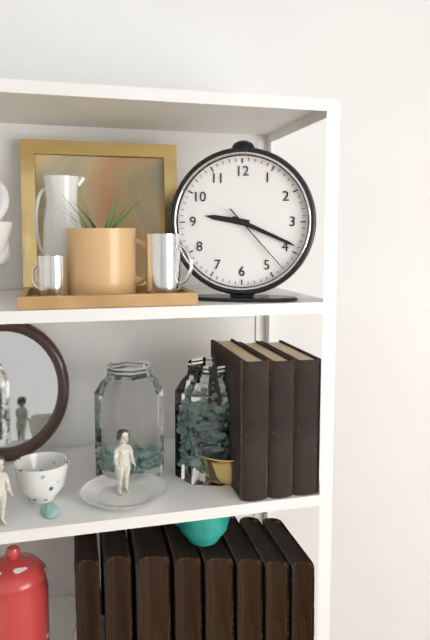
9:19:23
